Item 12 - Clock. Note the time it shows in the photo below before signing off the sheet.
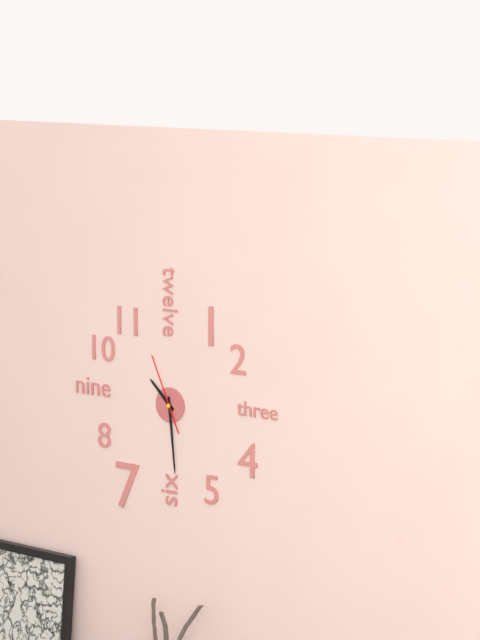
10:29:56
